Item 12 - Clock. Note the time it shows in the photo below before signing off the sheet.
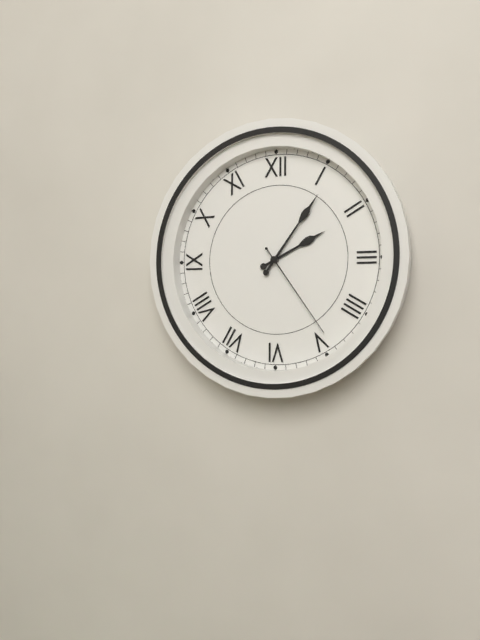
2:06:24
